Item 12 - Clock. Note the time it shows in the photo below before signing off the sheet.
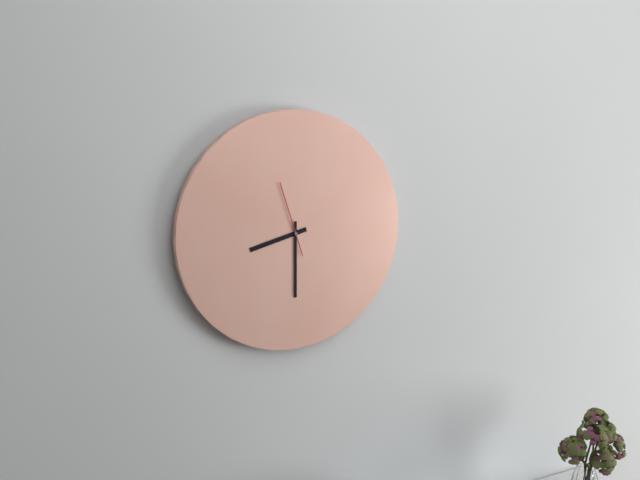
8:30:57
